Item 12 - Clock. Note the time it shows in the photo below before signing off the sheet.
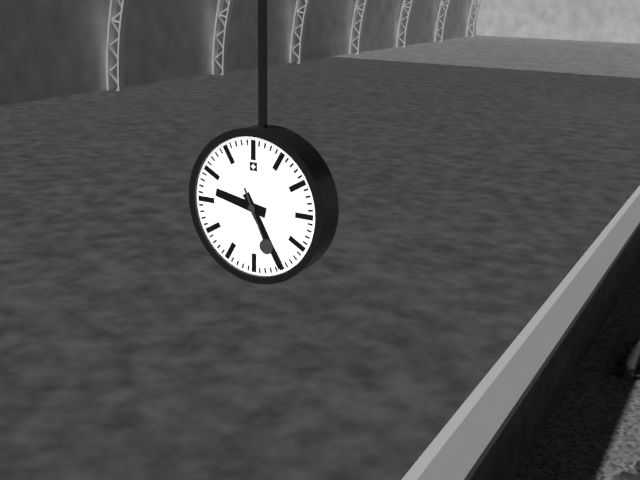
9:25:26
